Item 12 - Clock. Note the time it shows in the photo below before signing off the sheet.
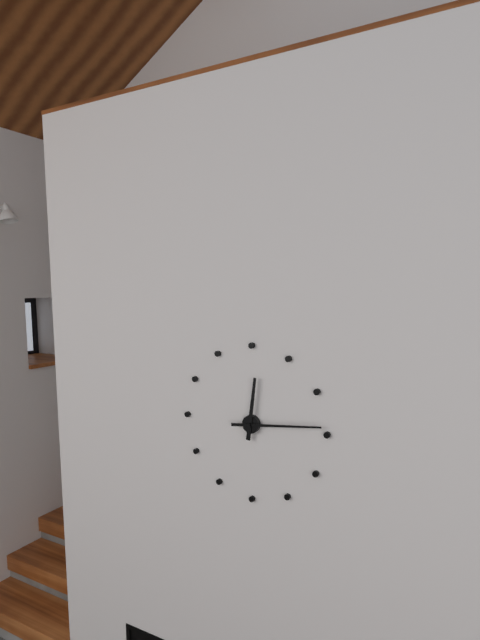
12:14
